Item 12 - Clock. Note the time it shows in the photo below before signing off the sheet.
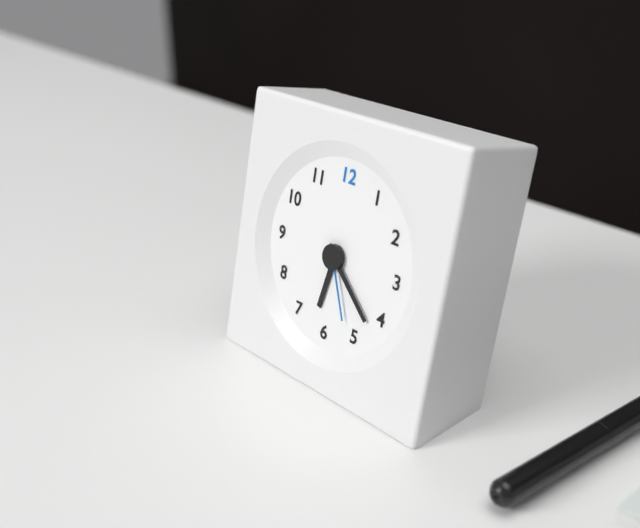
6:22:26
